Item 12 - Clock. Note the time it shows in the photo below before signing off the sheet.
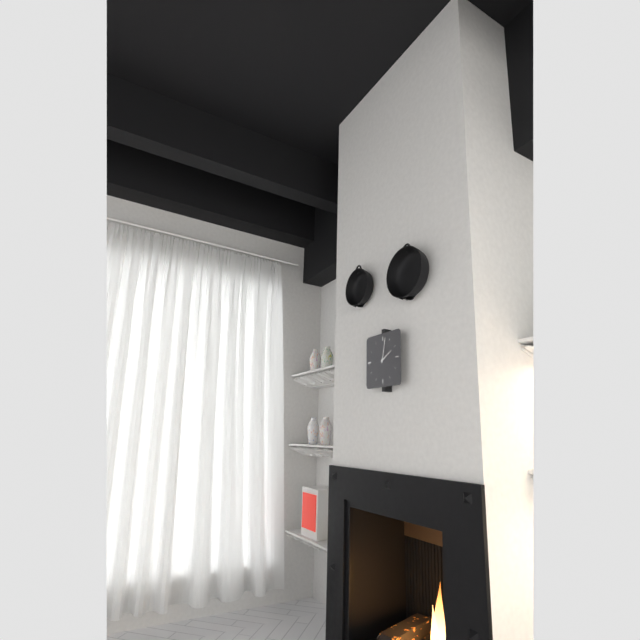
2:02
